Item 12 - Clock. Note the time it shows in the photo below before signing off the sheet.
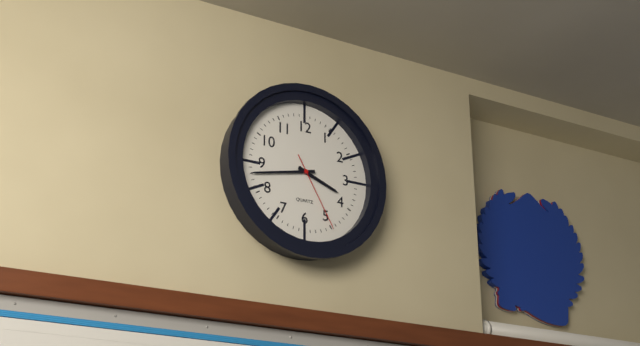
3:43:25
